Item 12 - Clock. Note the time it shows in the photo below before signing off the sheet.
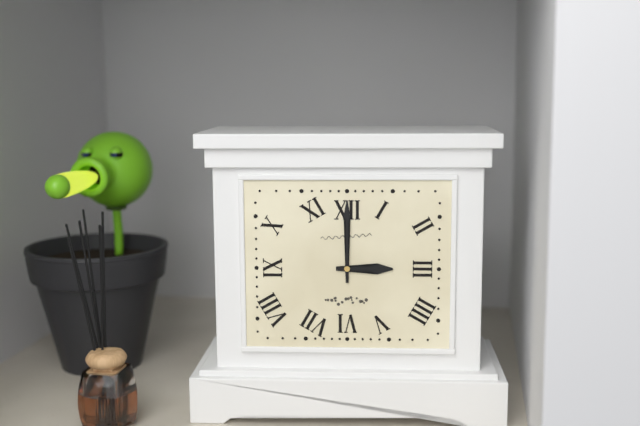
3:00
